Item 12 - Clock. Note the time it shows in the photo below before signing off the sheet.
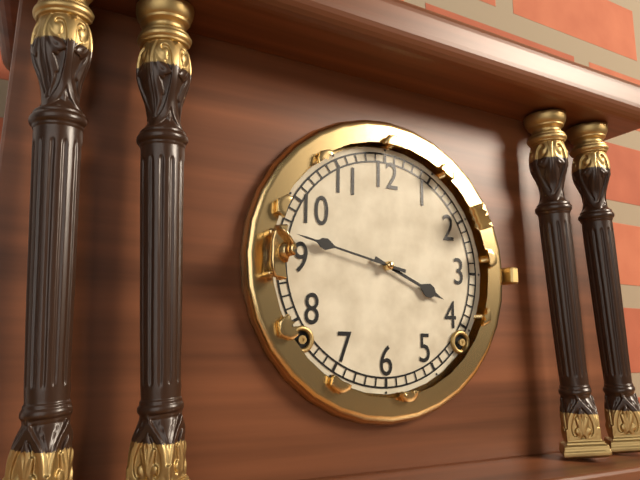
3:47
